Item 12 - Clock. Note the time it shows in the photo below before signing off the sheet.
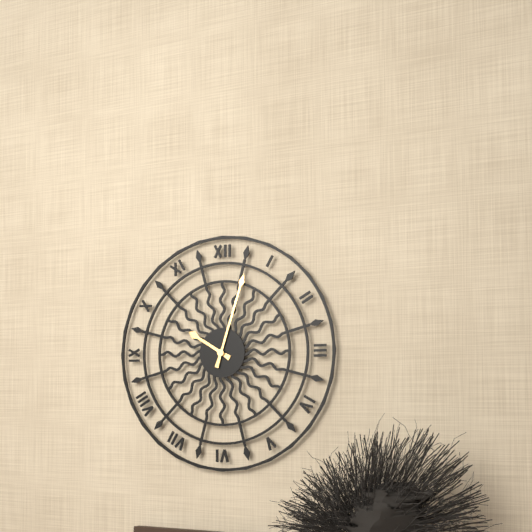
10:03
